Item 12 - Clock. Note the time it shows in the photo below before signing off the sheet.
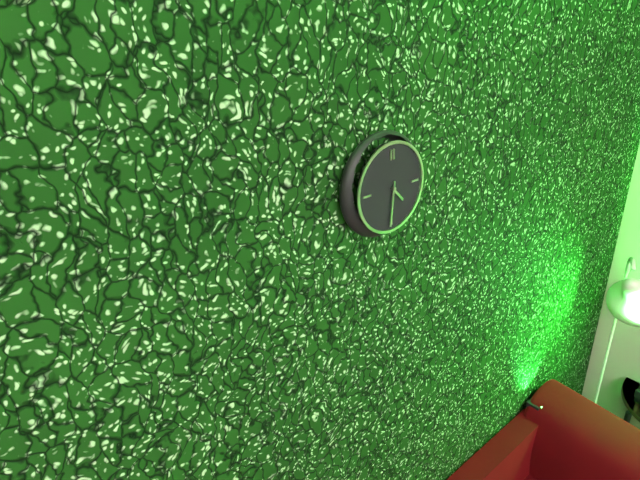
4:31
